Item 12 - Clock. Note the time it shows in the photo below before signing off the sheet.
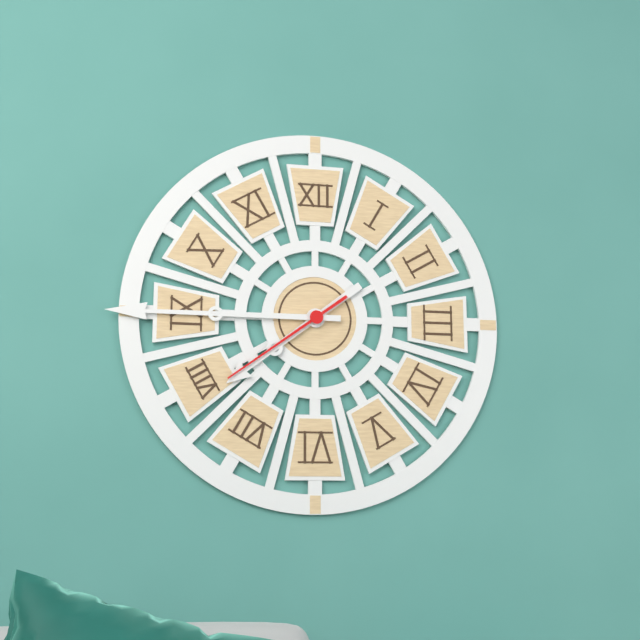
7:45:39
